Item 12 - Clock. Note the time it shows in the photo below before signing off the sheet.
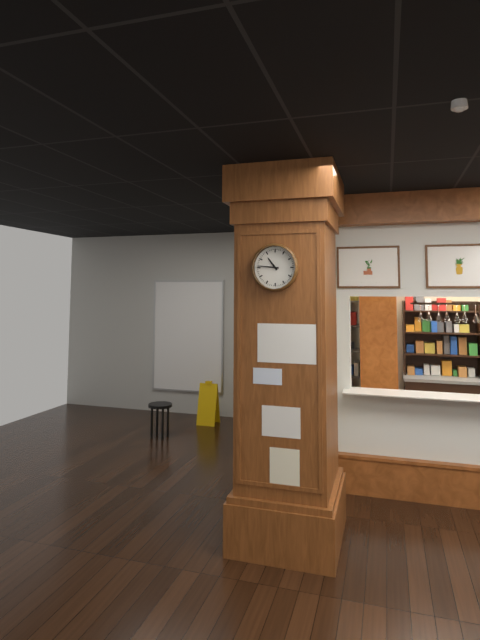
10:46
